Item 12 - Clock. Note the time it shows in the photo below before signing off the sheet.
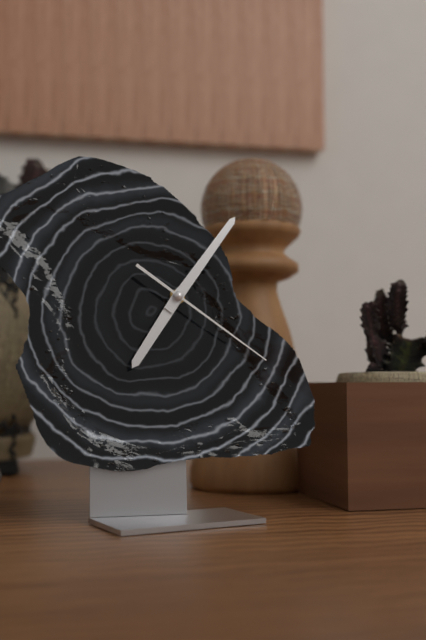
7:06:21
